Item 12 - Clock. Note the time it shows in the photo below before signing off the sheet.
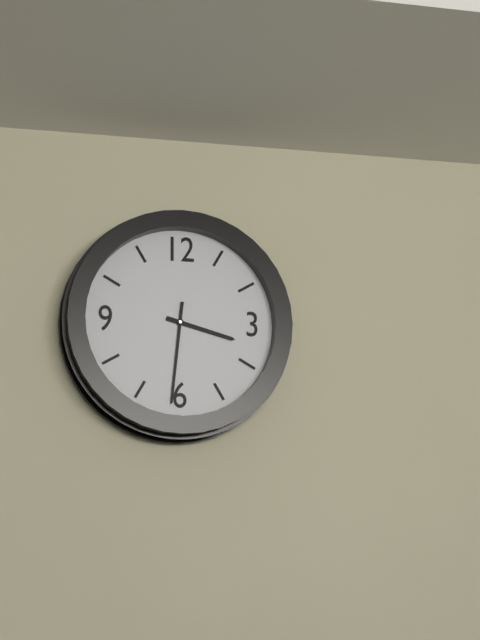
3:31
